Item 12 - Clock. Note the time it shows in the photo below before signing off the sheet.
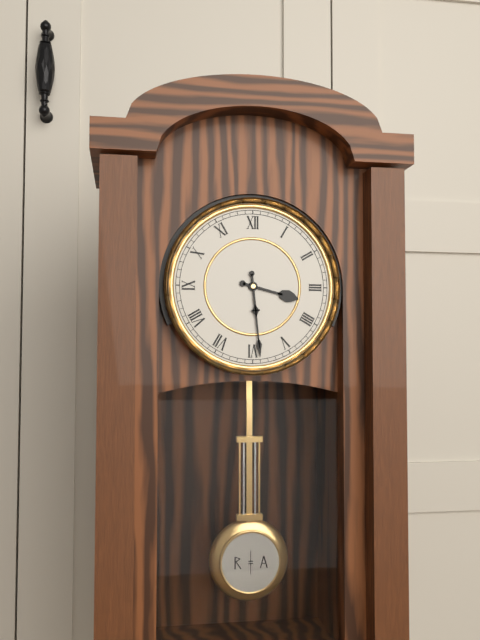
3:29
